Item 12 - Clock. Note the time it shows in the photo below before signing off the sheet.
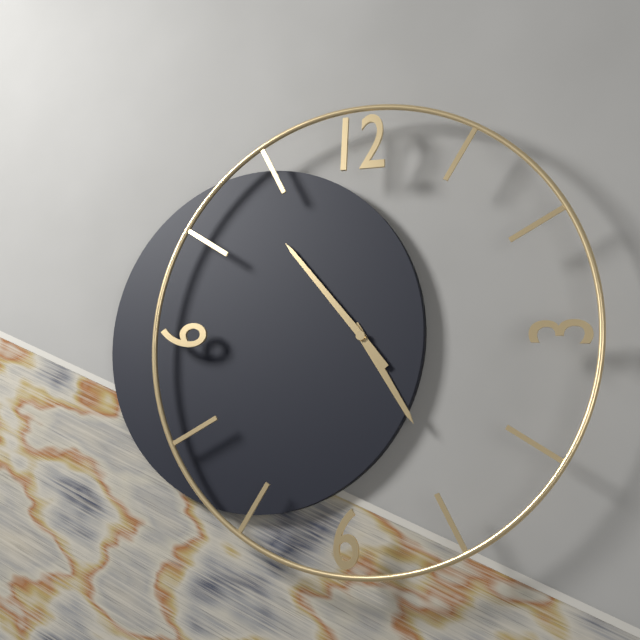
4:53
